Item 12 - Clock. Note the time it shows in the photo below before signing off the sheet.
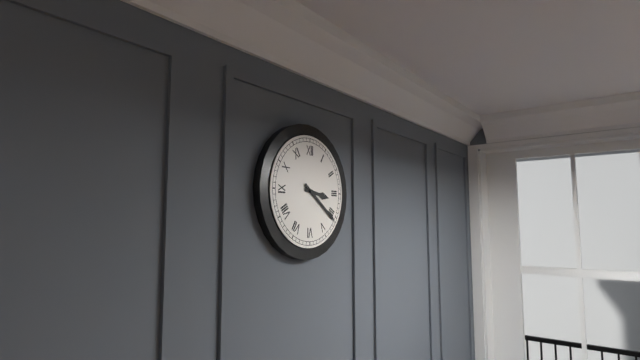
3:21
